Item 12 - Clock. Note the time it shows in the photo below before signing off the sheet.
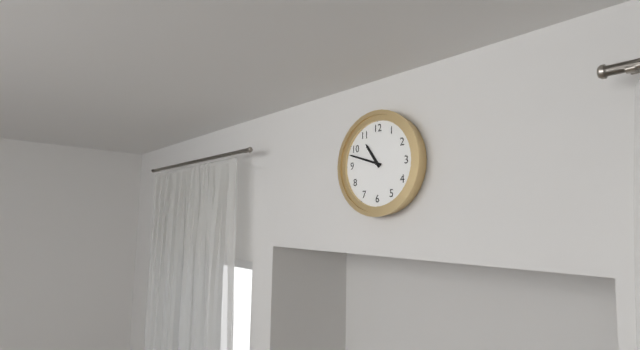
10:48
